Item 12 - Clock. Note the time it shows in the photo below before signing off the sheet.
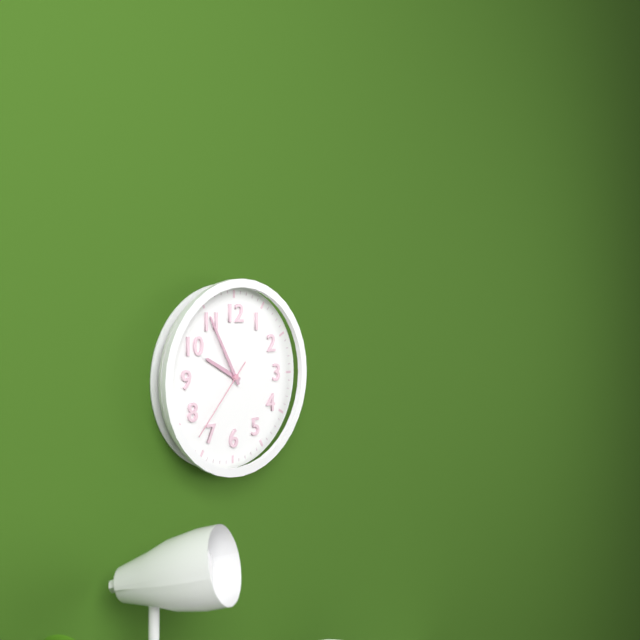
9:55:37
